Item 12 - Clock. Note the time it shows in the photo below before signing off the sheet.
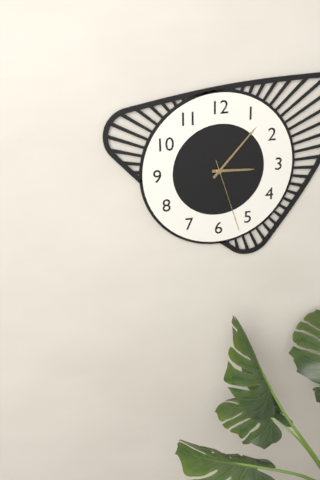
3:07:27
